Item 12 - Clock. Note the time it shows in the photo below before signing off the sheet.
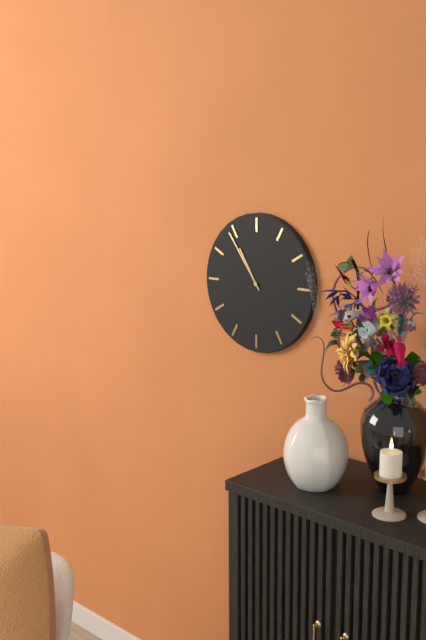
10:54
